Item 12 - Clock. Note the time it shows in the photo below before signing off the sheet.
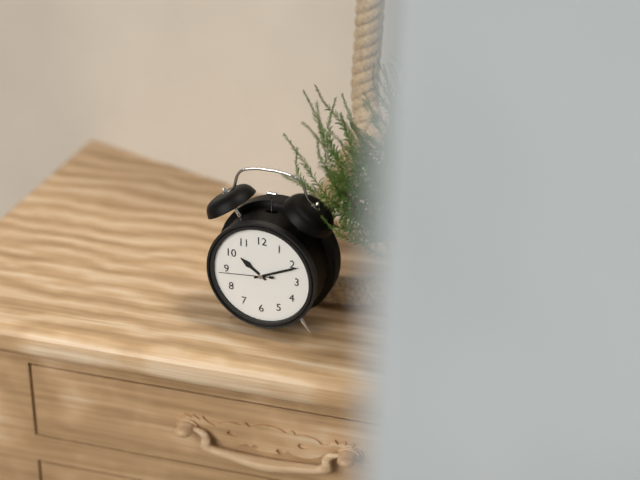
10:11:44
